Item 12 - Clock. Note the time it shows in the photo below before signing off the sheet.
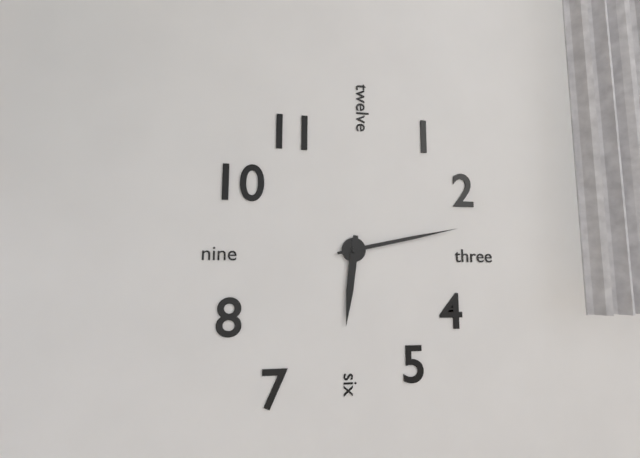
6:13
